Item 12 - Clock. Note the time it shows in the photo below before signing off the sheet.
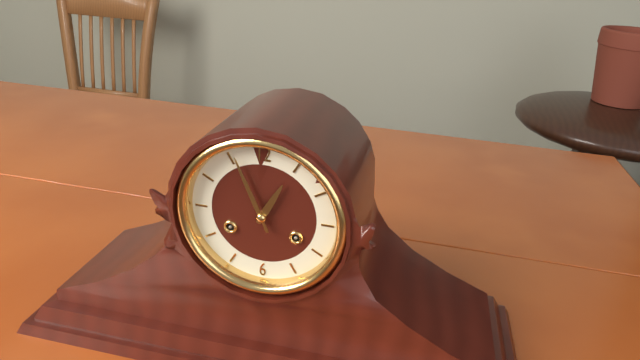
12:56
